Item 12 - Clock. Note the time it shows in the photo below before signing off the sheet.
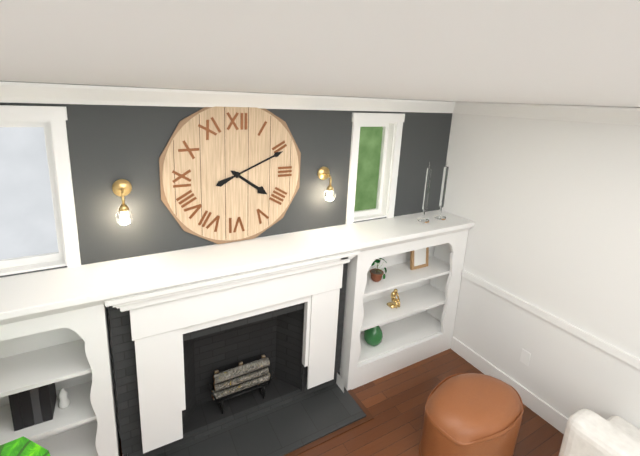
4:11
